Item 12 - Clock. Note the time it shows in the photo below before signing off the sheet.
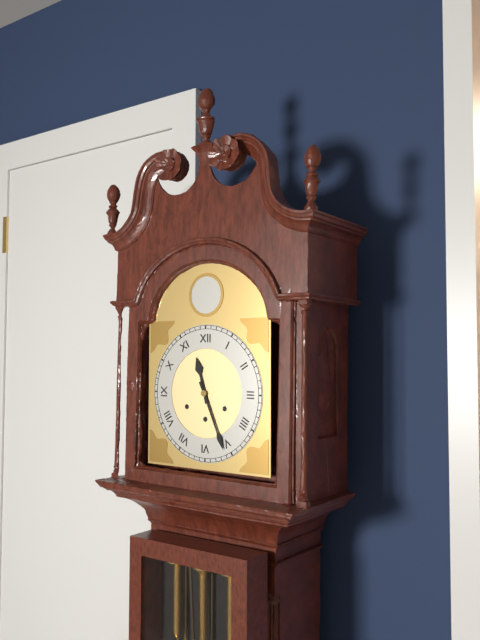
11:26
